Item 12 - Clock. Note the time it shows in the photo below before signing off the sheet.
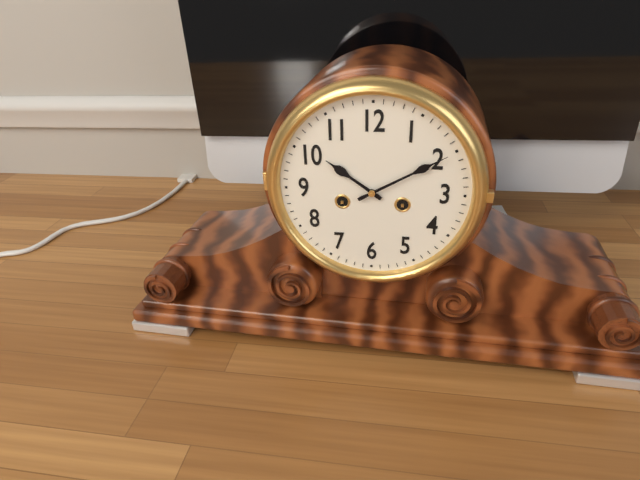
10:10
